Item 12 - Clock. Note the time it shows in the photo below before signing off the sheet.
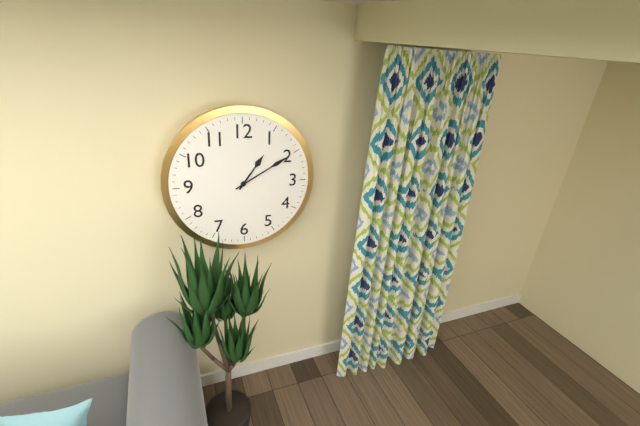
1:10
